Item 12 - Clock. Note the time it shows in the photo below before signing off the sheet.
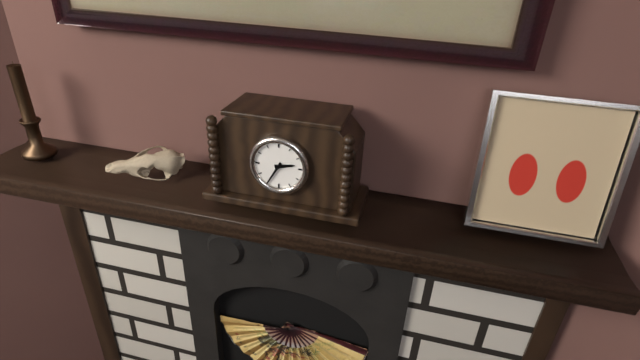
2:35
